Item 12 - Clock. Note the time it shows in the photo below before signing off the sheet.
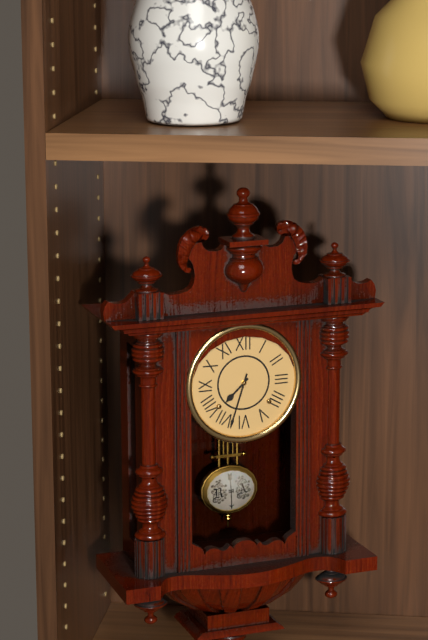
7:33
